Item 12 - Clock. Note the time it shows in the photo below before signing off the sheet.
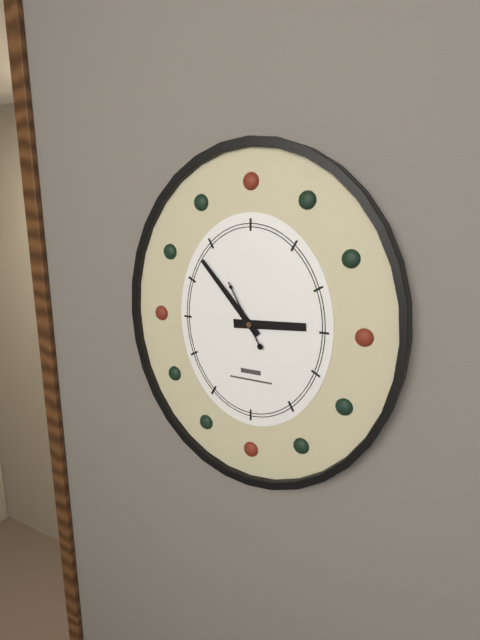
2:53:55
